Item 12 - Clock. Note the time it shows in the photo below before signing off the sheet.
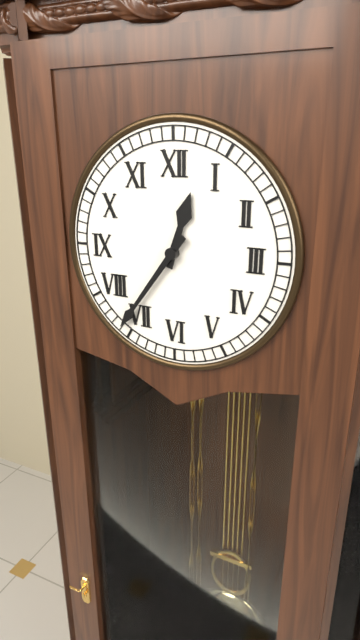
12:36
